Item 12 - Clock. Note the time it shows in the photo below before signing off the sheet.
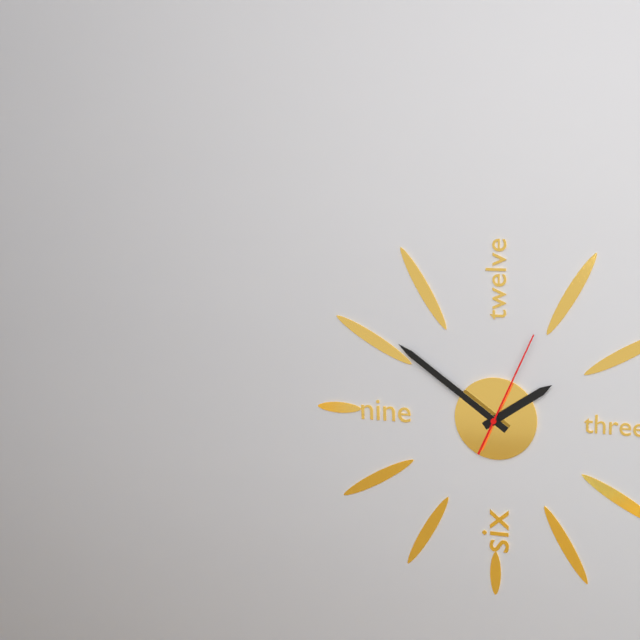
1:51:04
